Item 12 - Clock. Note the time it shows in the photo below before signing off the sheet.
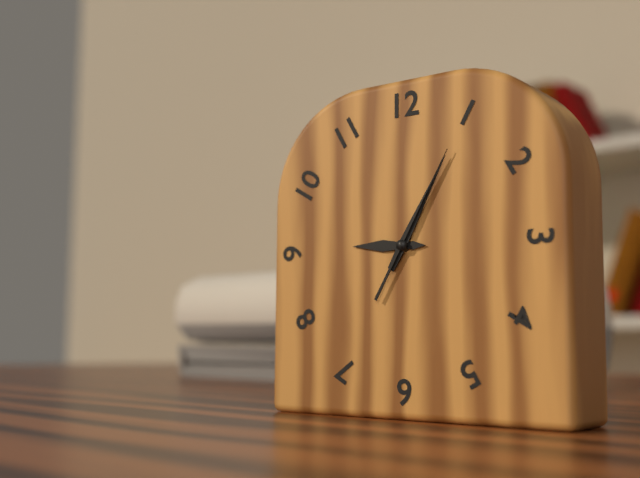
9:05:05
